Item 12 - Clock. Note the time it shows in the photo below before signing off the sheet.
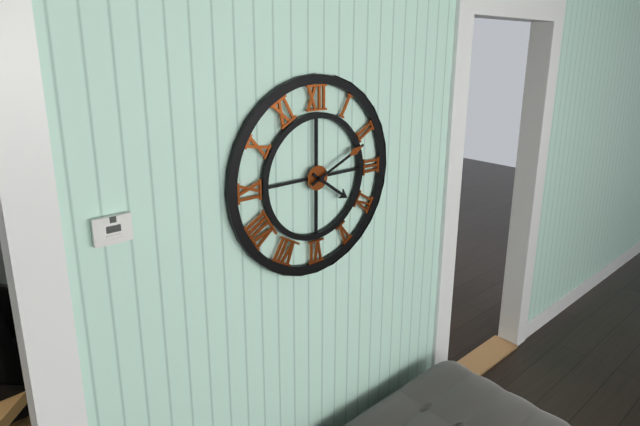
4:11
